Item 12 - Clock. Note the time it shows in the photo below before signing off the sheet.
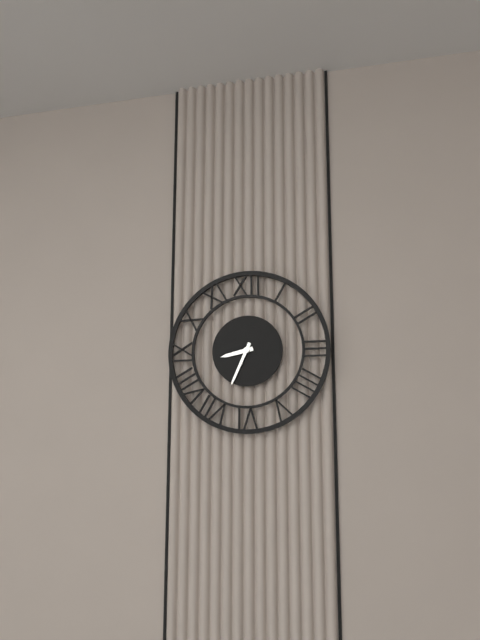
8:34
